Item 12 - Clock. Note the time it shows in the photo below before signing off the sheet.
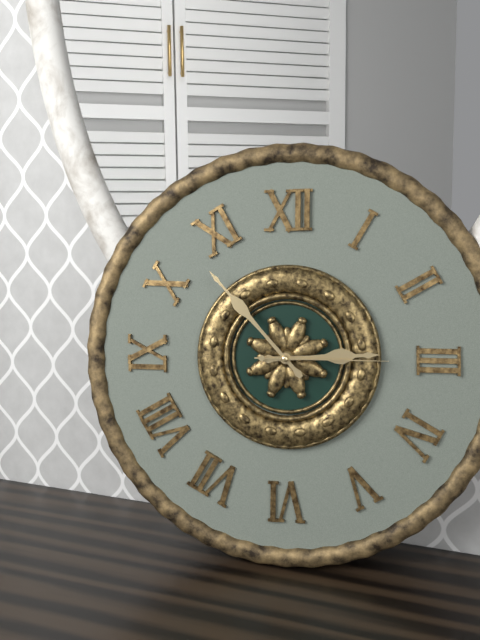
2:53:15
